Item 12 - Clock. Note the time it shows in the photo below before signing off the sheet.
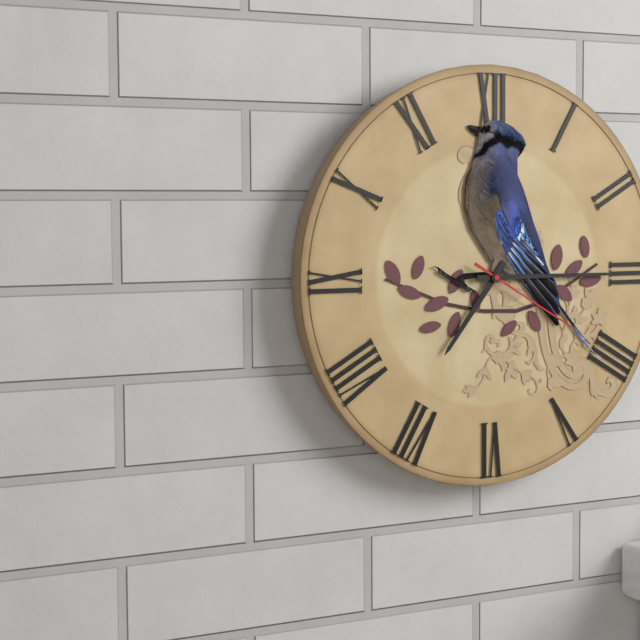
7:15:20
